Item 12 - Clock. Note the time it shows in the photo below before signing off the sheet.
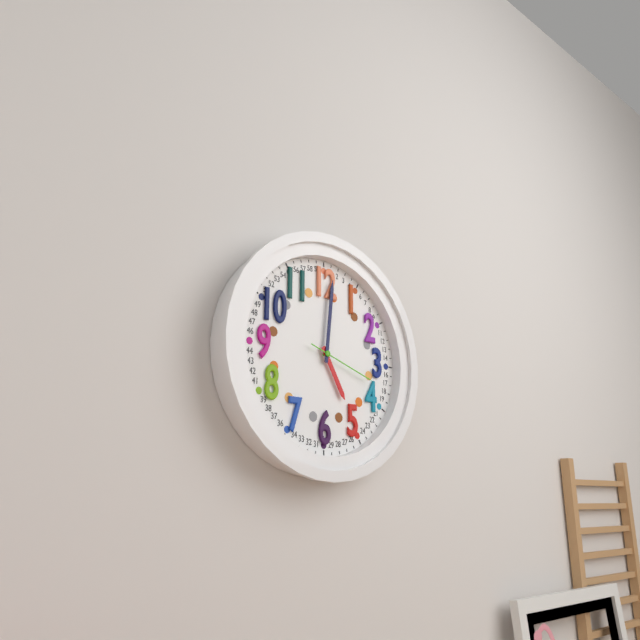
5:01:18
